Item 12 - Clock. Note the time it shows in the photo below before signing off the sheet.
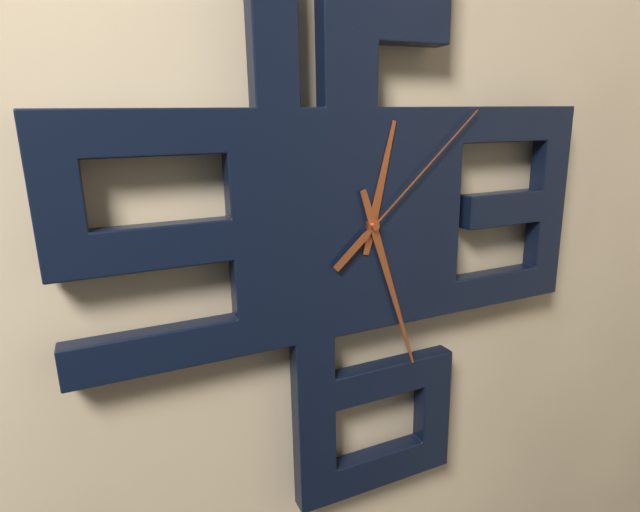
12:27:08
